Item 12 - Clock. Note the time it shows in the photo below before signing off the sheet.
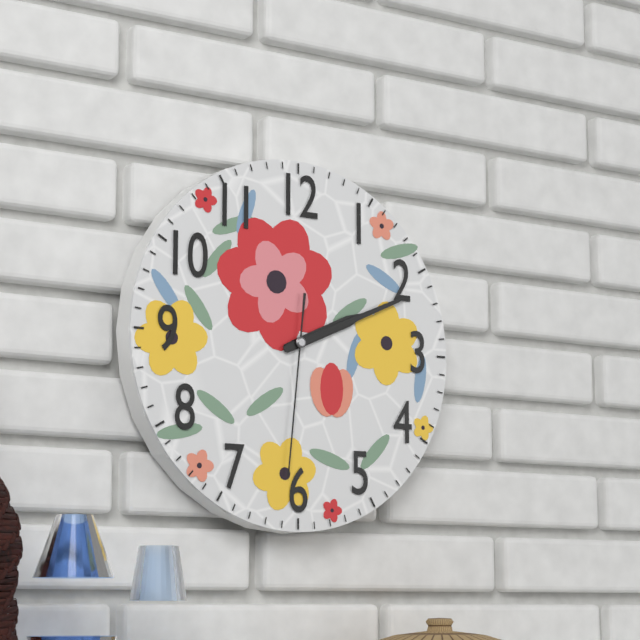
2:11:31
